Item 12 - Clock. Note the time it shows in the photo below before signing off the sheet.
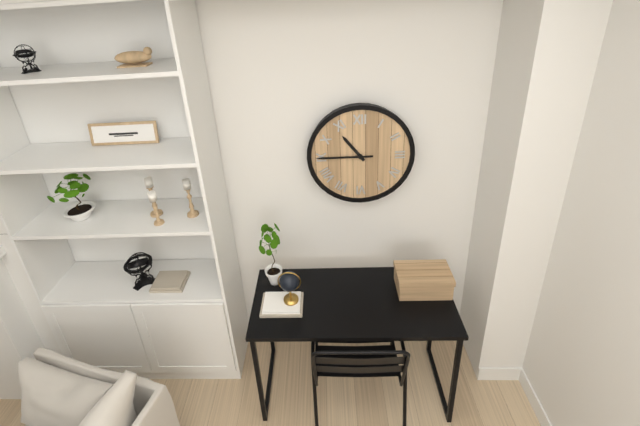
10:45
